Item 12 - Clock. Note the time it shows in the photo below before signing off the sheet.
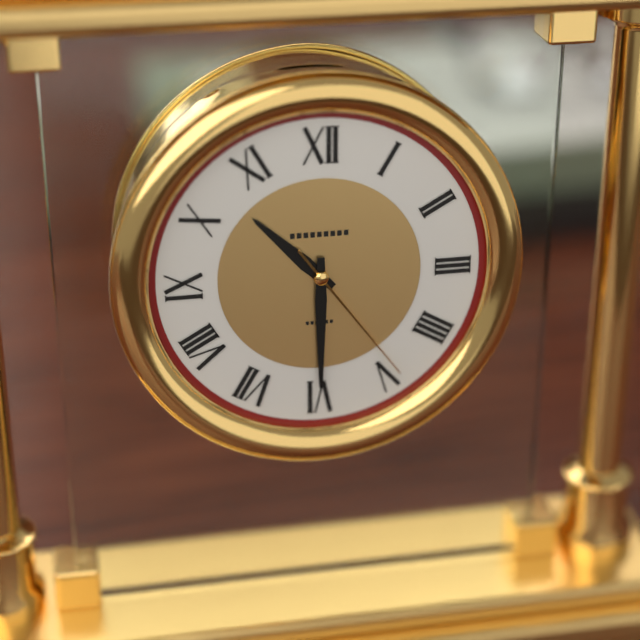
10:30:24
